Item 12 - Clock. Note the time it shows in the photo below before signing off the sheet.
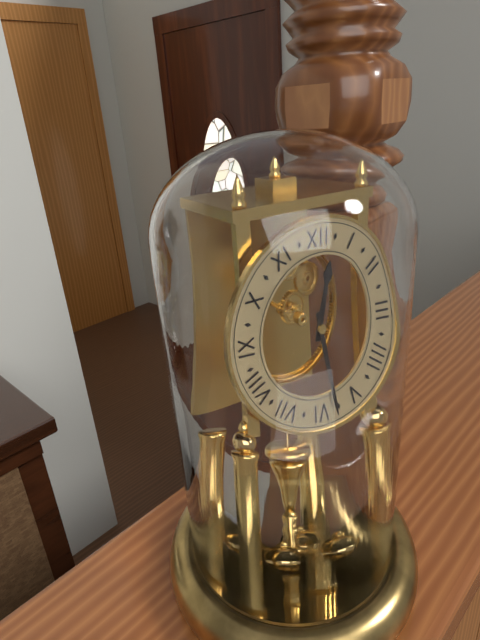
12:28
